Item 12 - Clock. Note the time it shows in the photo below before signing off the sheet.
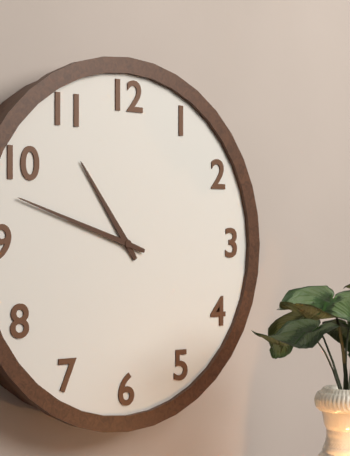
10:48
